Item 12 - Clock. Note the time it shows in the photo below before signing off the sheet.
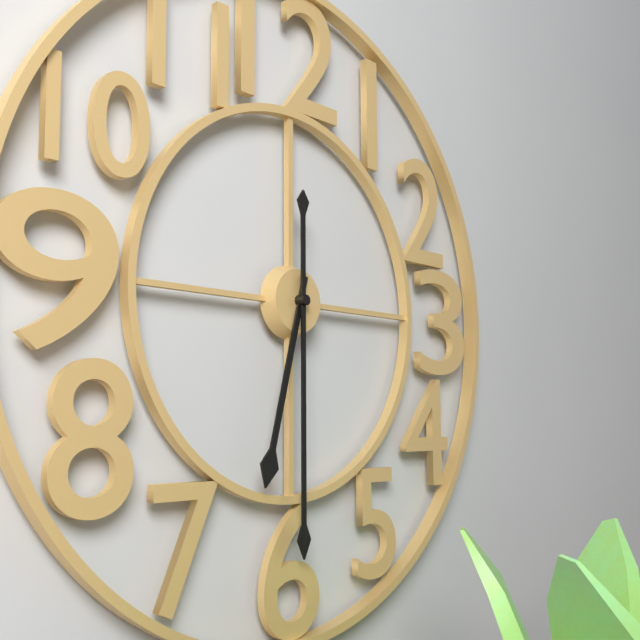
6:30
